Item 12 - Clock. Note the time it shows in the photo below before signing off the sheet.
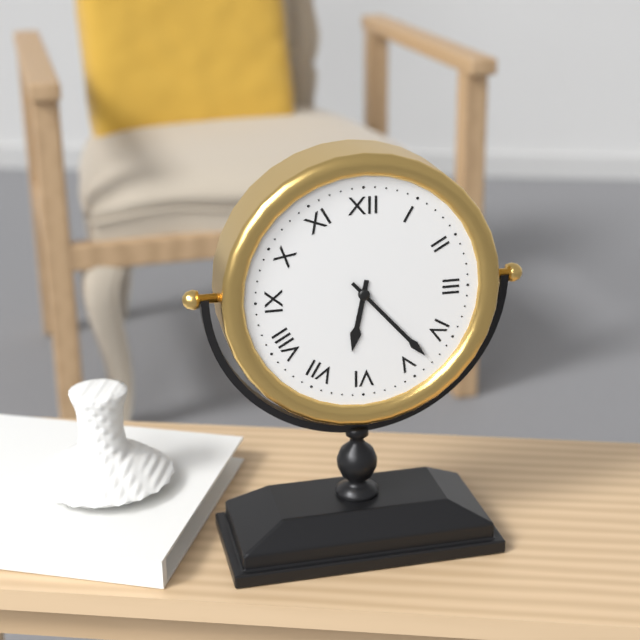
6:23
